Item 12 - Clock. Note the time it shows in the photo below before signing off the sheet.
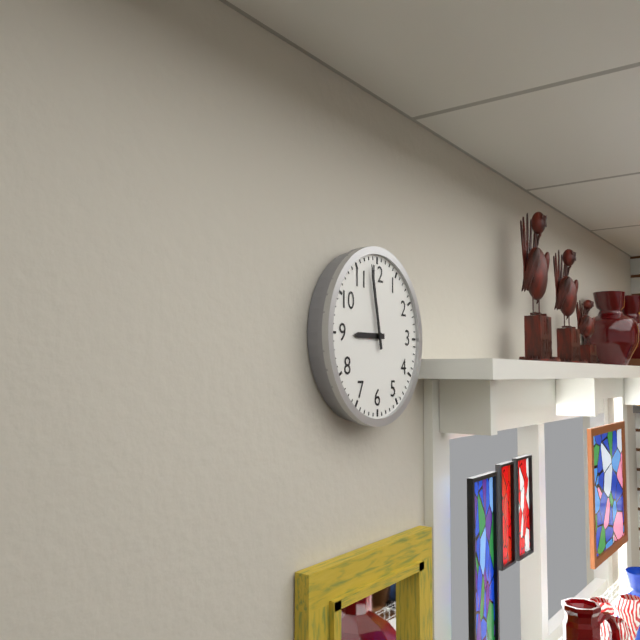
8:58
